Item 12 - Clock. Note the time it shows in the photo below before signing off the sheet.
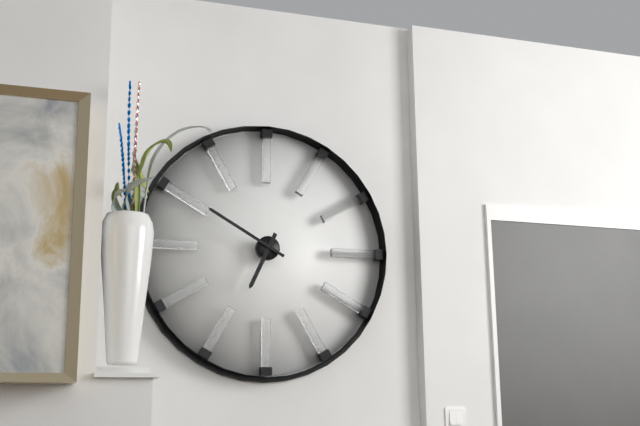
6:50
